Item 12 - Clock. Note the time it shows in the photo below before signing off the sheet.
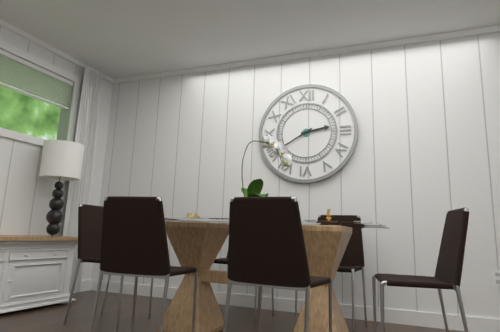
2:40
